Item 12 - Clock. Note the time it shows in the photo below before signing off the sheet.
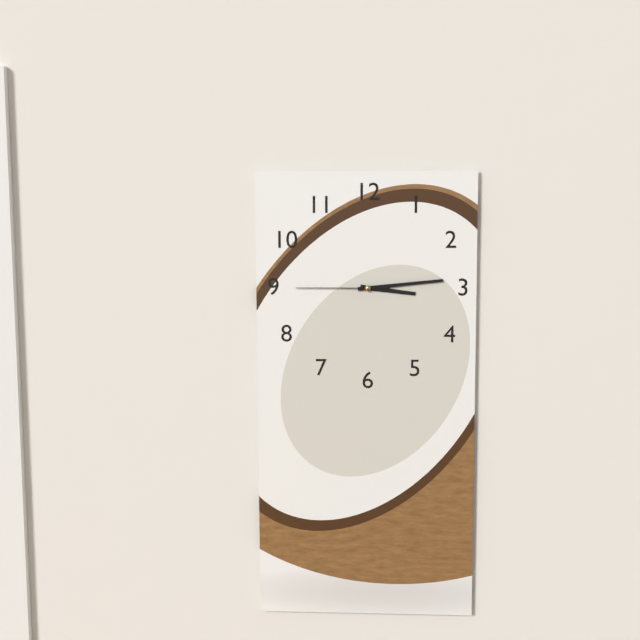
3:14:45
